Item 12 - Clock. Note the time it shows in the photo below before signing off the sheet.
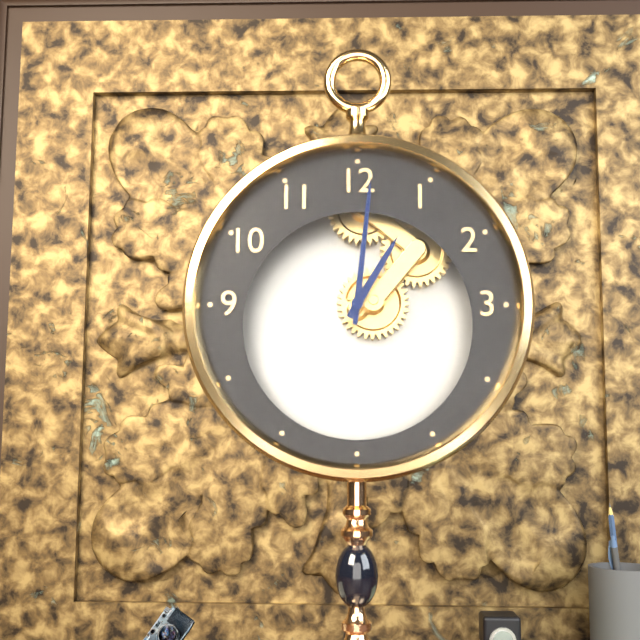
1:01
